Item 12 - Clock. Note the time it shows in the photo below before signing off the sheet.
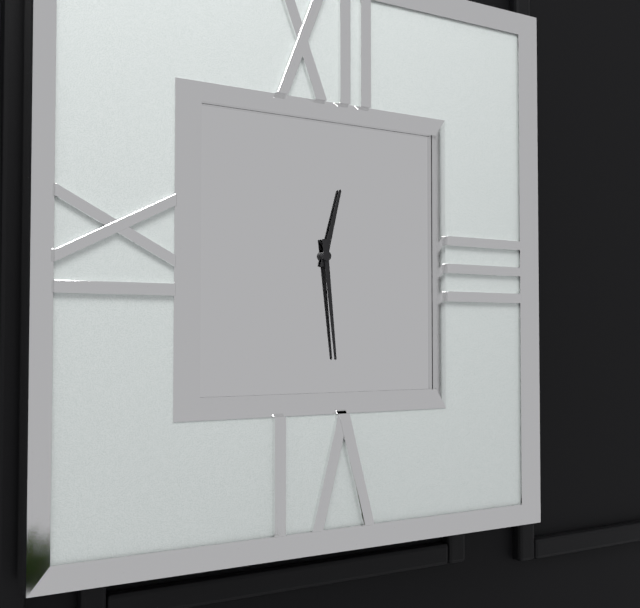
12:29
